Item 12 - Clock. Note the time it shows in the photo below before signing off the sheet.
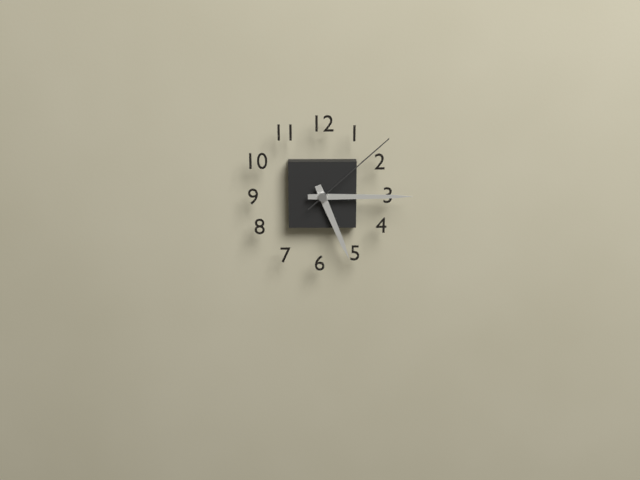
5:15:08
